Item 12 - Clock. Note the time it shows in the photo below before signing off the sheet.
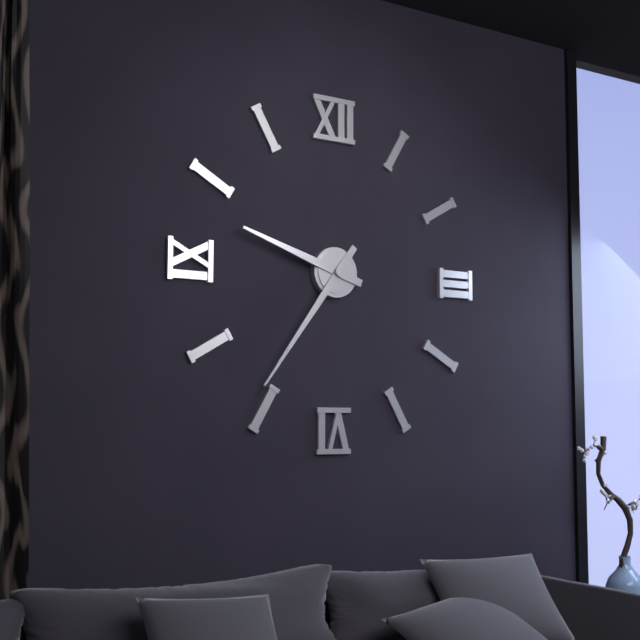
9:36
